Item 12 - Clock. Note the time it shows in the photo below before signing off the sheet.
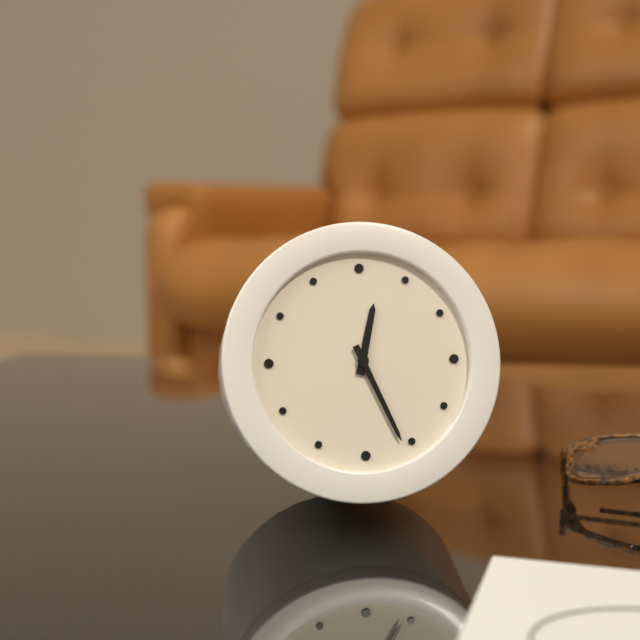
12:26
